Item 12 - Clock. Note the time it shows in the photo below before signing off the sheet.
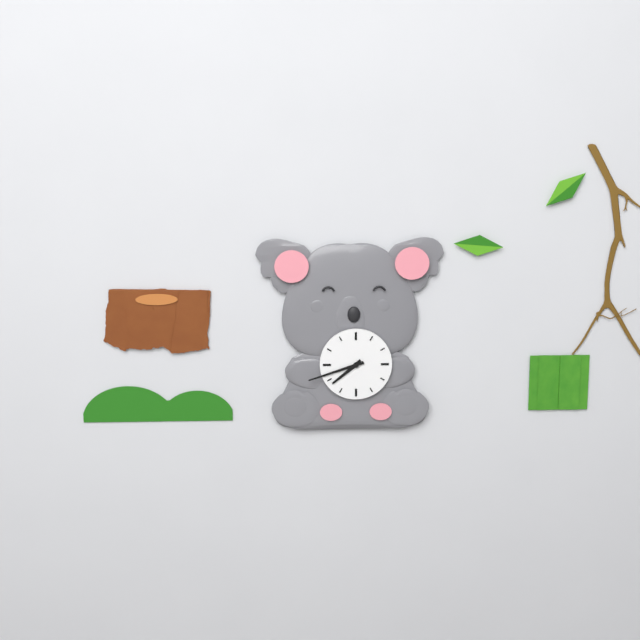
7:42
